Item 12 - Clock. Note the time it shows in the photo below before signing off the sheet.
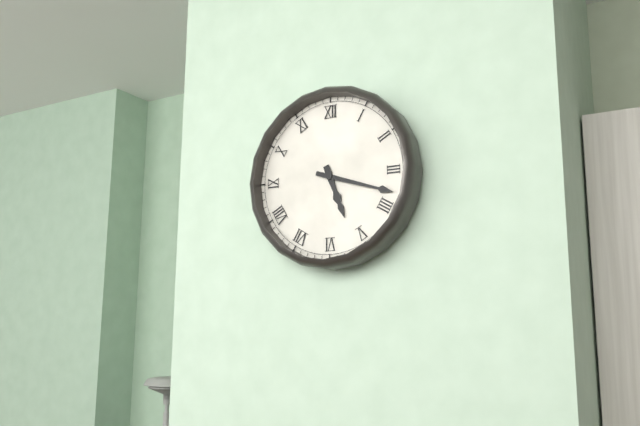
5:18
